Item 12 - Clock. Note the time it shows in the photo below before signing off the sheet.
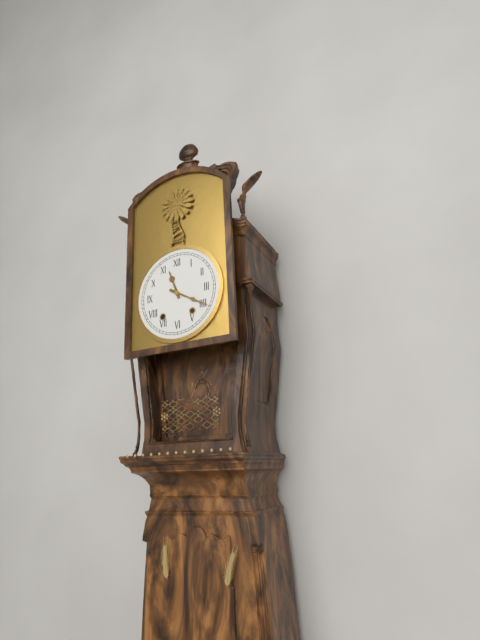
11:20
